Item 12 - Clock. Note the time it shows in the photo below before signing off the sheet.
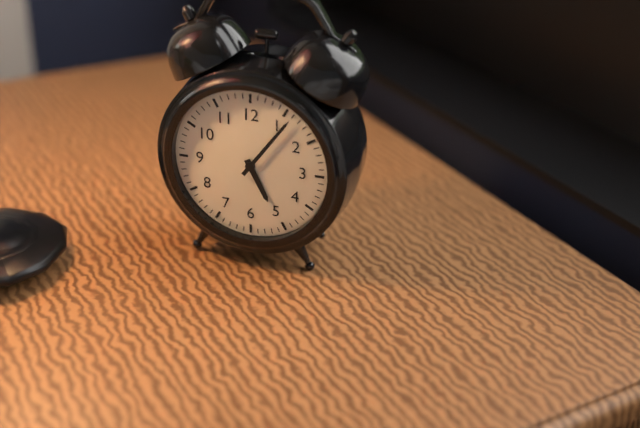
5:06
